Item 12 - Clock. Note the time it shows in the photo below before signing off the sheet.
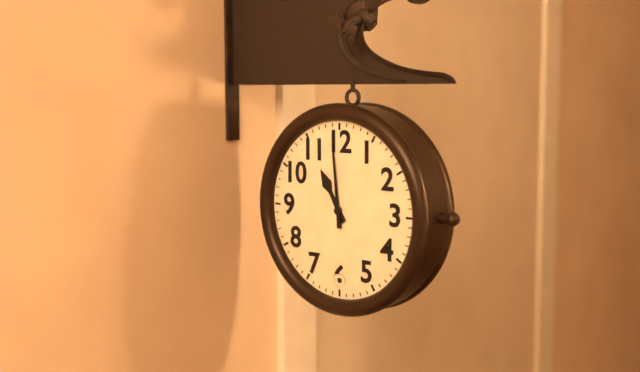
10:59
